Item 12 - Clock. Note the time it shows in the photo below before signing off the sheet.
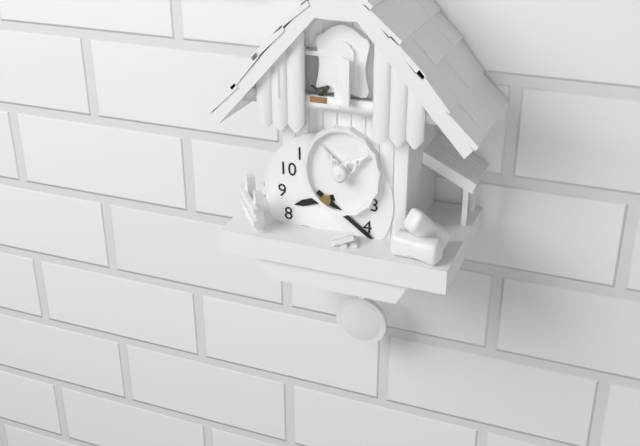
8:21
